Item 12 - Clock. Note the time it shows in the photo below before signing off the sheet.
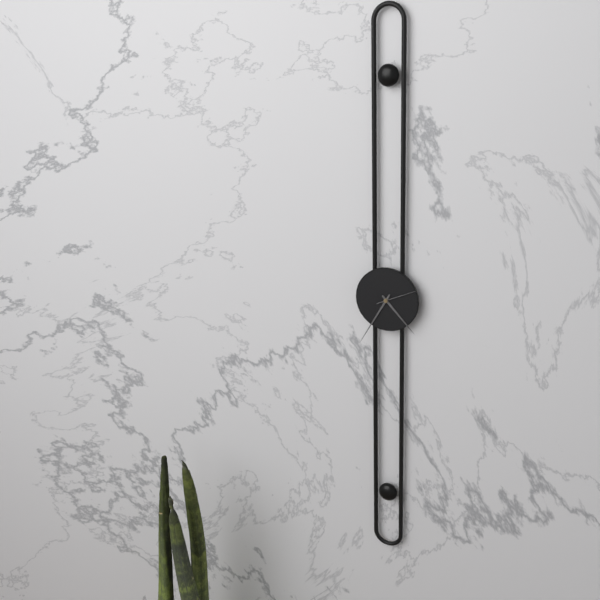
4:35
